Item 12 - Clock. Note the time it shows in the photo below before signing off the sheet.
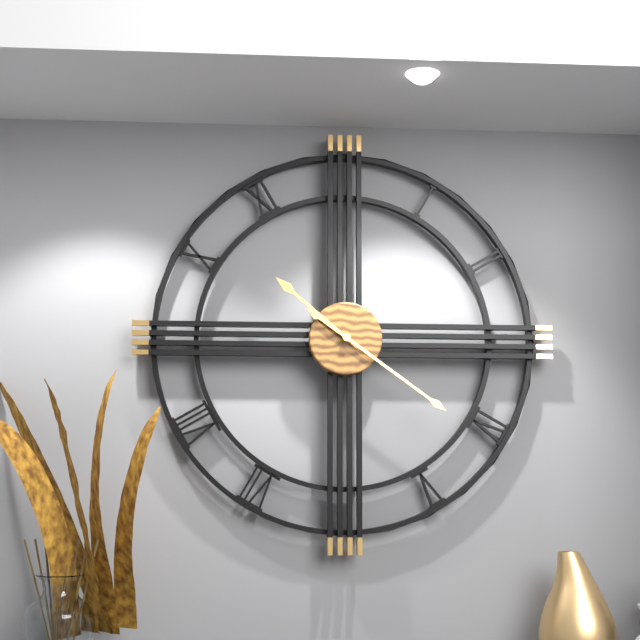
10:21
